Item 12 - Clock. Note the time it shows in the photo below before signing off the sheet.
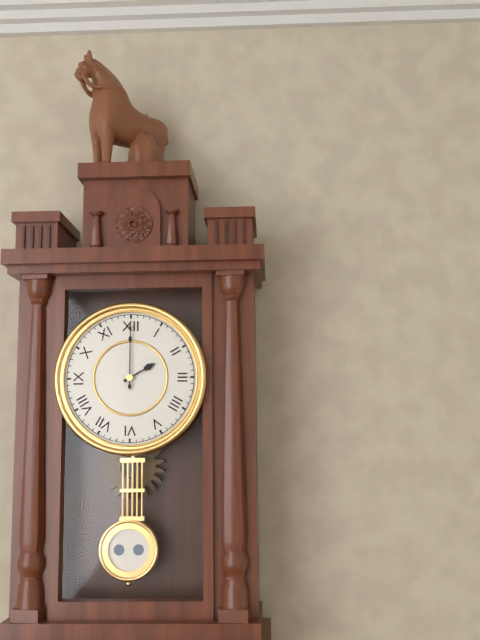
2:00
